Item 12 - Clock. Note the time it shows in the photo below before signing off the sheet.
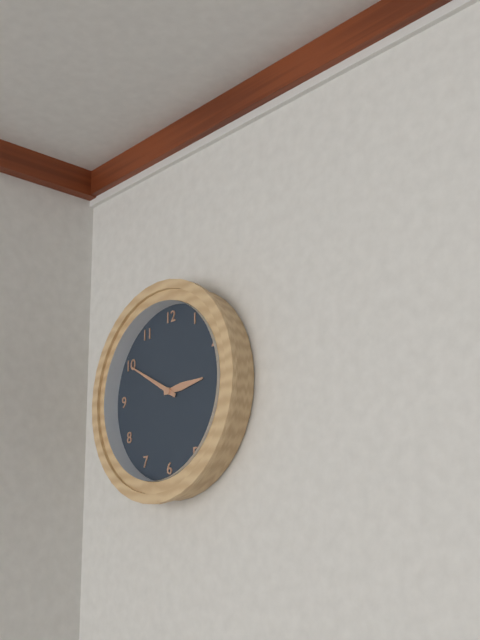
2:50
